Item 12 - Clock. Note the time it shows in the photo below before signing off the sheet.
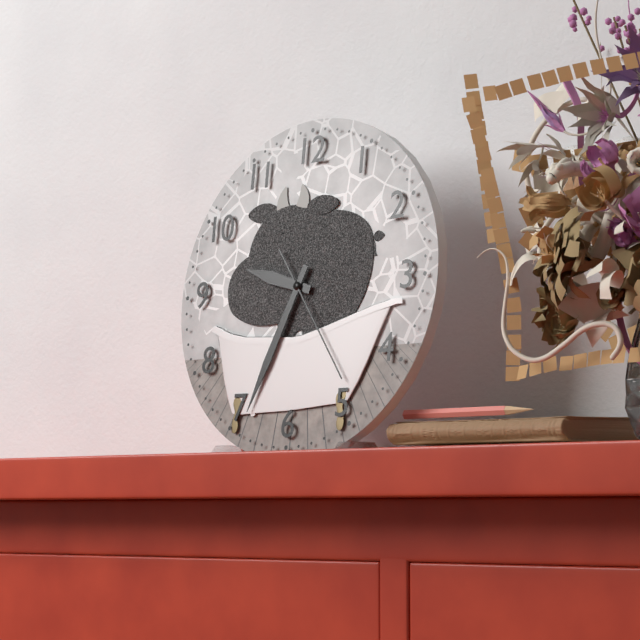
9:34:24
